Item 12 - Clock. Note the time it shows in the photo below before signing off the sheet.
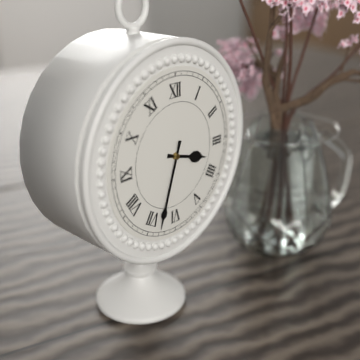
3:33
